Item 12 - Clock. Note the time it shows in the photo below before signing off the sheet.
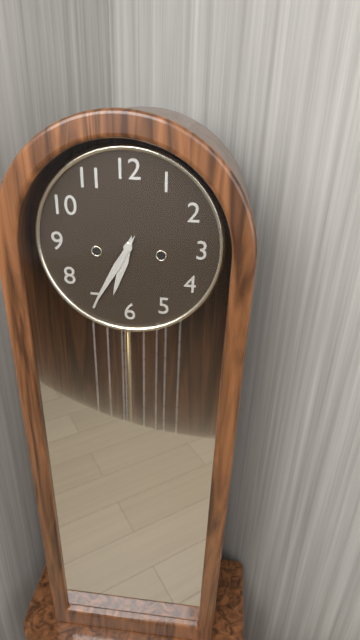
6:35
